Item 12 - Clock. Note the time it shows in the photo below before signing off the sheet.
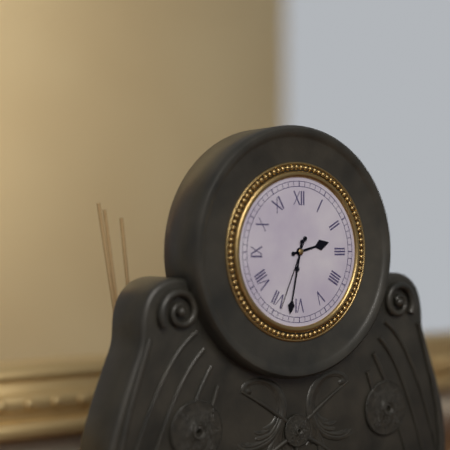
2:32:34
